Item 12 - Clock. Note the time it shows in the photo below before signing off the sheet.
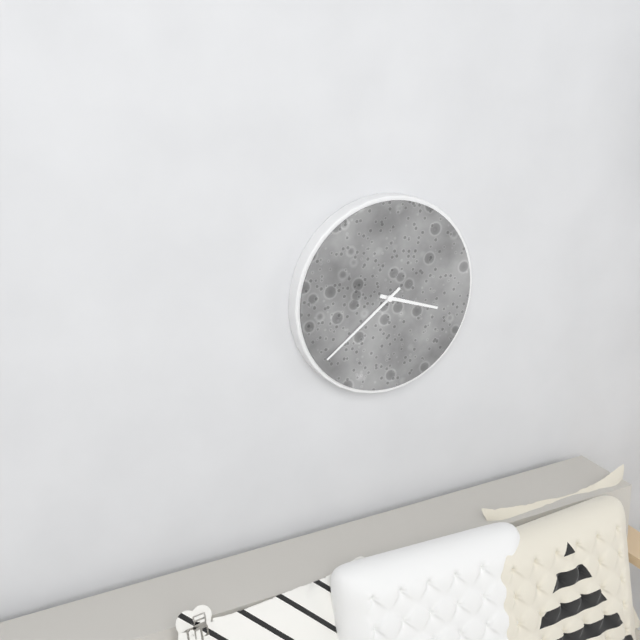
3:39
